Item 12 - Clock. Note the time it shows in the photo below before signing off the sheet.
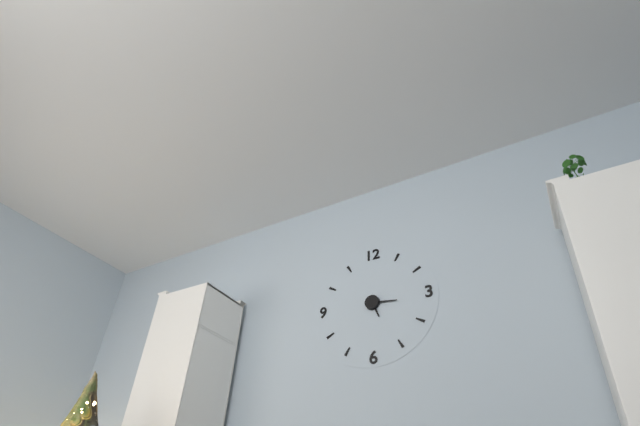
5:16
